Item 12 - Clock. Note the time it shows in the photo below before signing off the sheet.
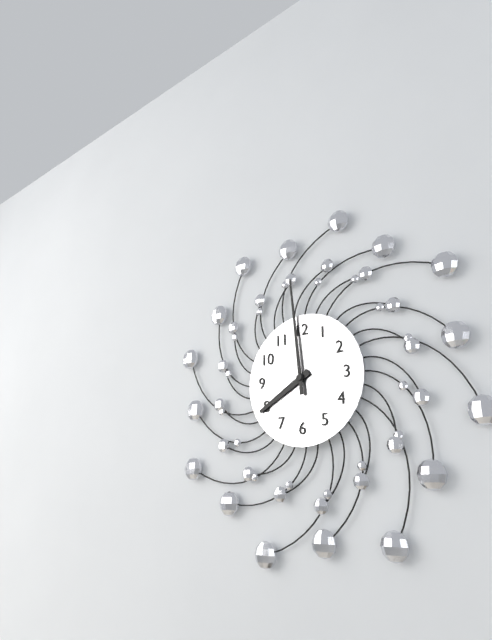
7:59
